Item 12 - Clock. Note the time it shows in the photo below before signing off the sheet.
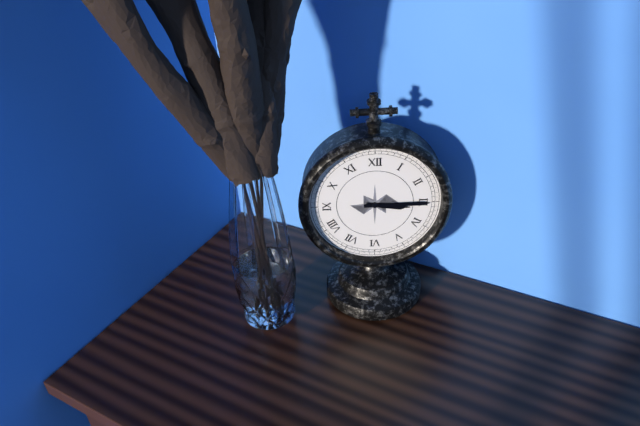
3:15
